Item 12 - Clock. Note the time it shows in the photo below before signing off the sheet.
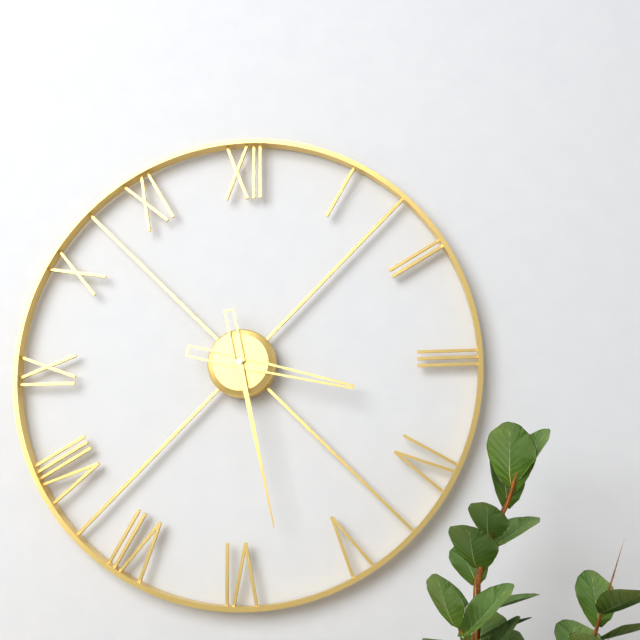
3:28
